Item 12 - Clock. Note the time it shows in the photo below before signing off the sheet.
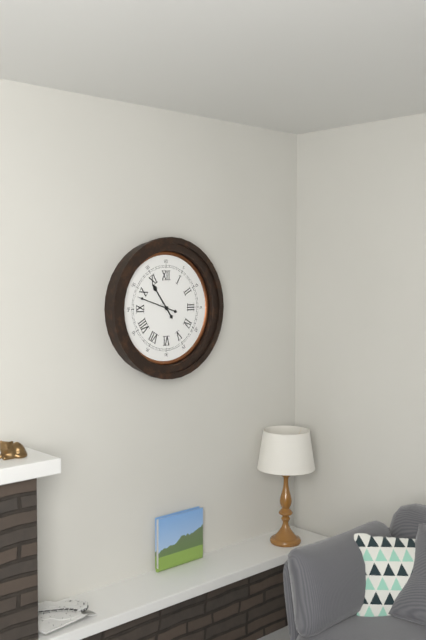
10:48
